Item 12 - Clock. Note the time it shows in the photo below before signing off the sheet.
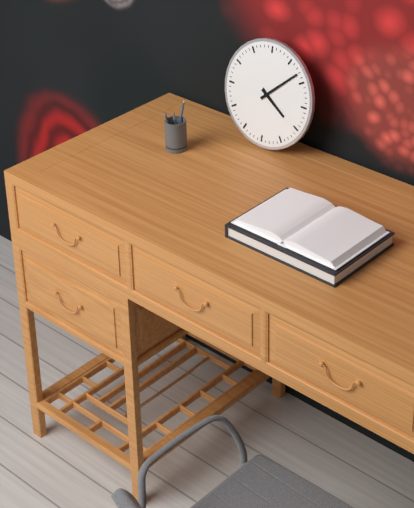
4:08
